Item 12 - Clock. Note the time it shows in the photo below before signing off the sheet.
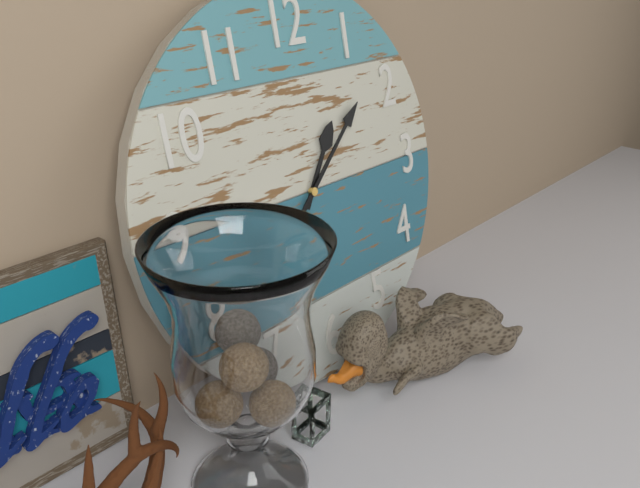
1:08
